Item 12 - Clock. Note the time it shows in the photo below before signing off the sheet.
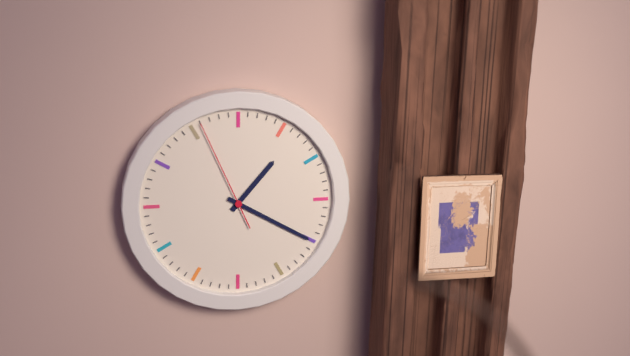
1:20:56
